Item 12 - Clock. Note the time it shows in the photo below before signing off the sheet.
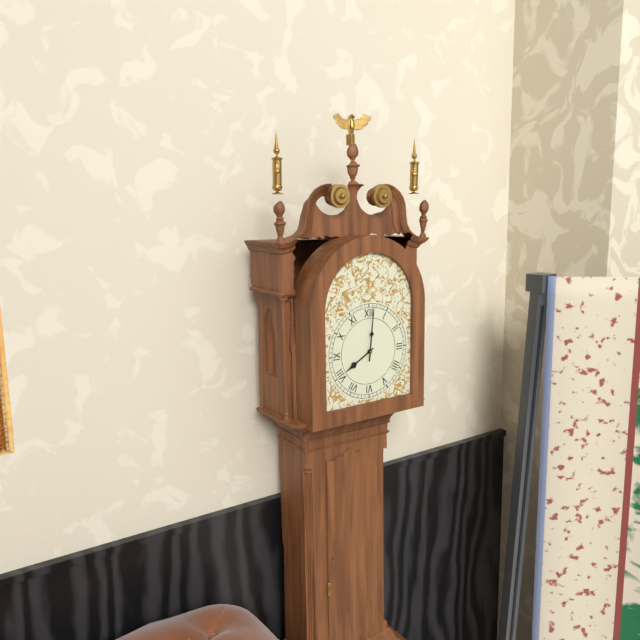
8:01
